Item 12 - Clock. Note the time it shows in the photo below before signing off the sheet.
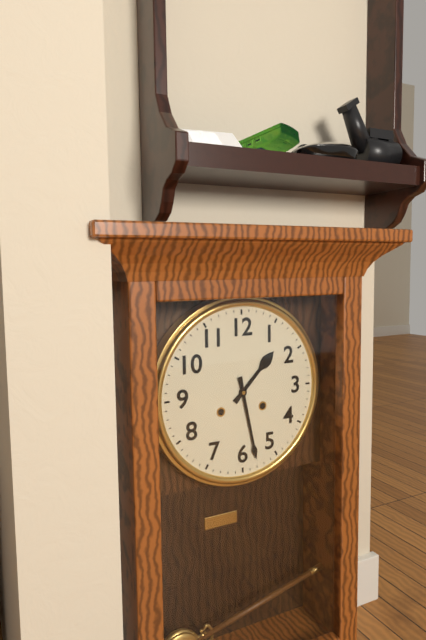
1:28
